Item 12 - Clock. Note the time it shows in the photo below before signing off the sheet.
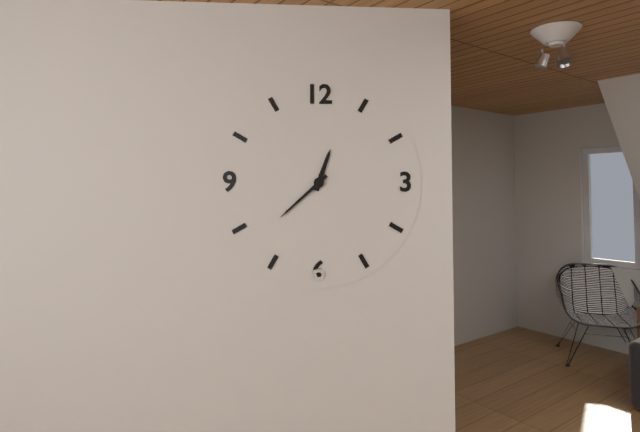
12:38
